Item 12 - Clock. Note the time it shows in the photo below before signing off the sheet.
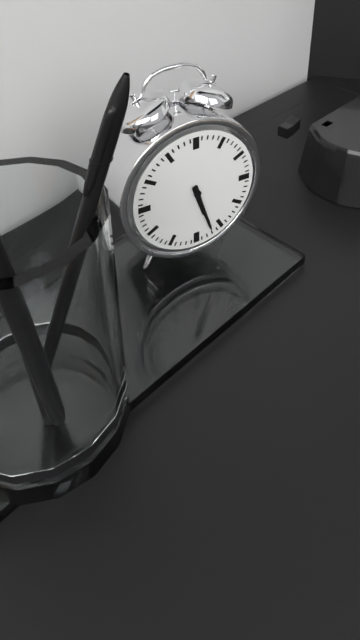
5:27
